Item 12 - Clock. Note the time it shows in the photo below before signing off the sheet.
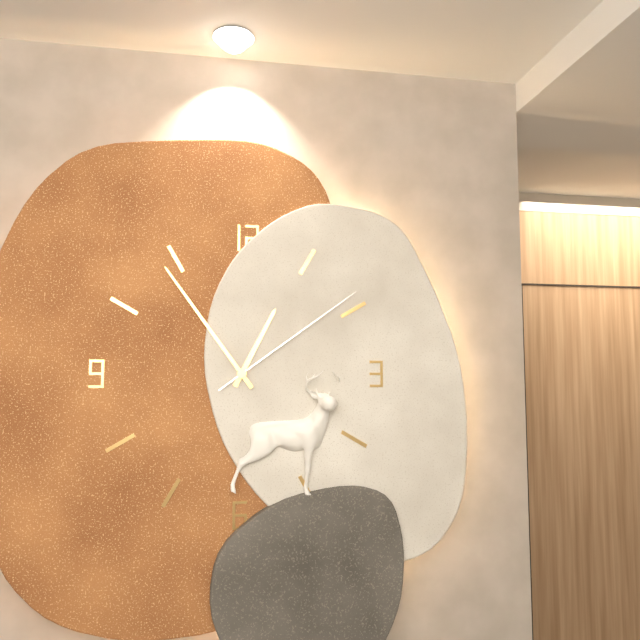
12:54:09
